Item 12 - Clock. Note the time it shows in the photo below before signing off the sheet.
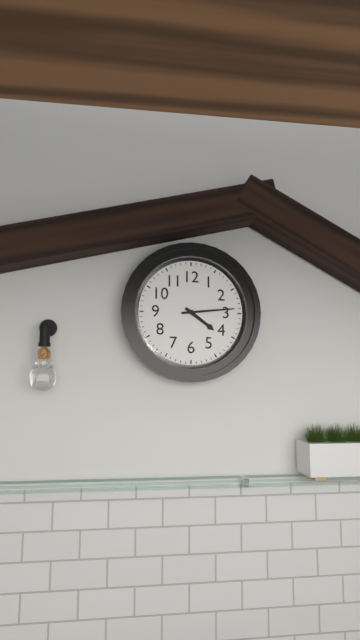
4:14
